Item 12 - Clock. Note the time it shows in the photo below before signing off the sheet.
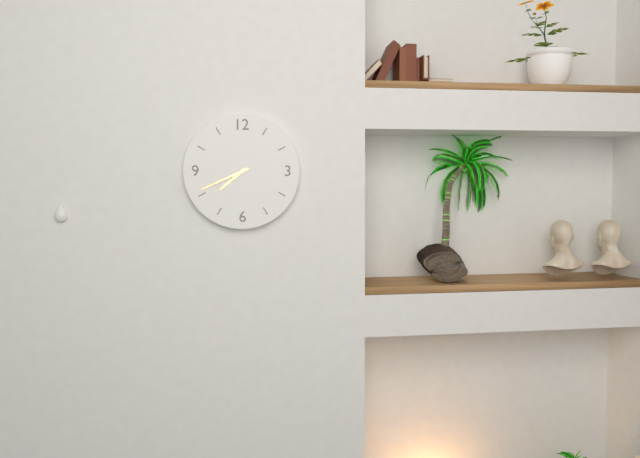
7:41
